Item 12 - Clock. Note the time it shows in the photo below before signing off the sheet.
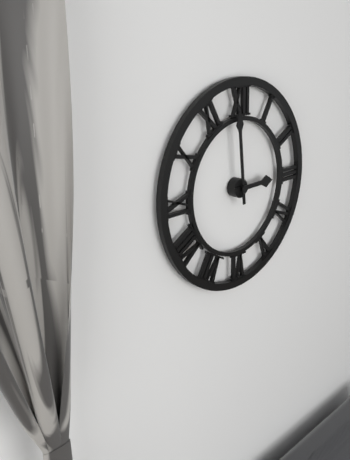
2:59
